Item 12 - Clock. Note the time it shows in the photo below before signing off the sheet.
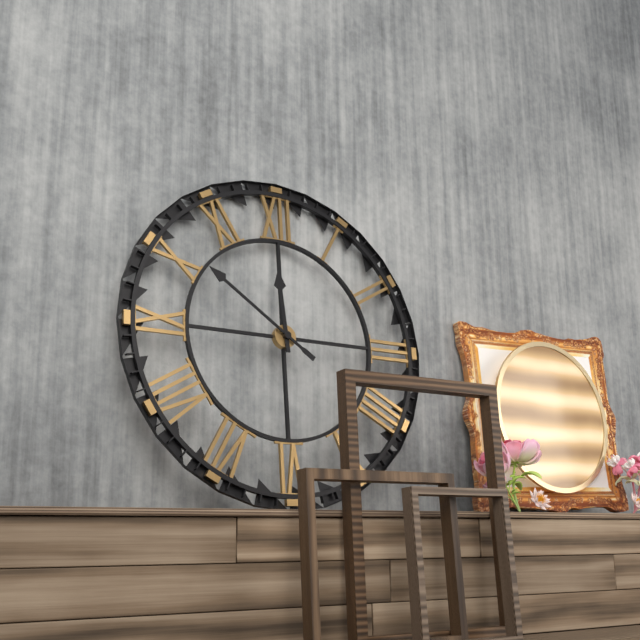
11:51
